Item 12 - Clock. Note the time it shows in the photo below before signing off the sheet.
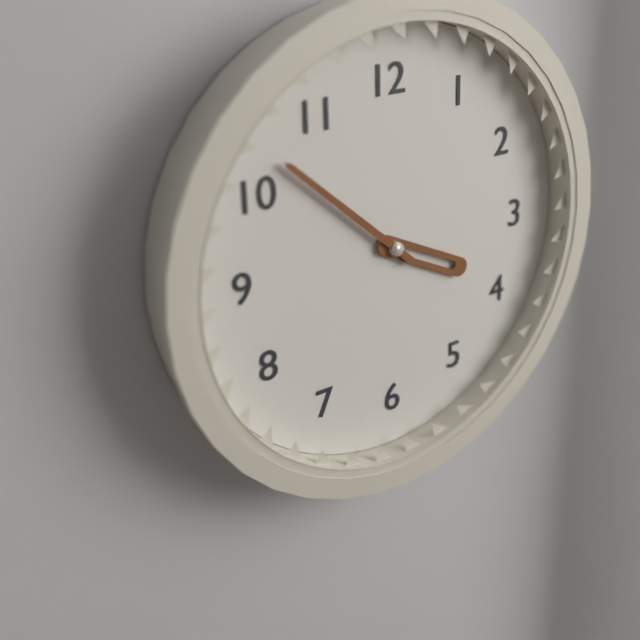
3:52
